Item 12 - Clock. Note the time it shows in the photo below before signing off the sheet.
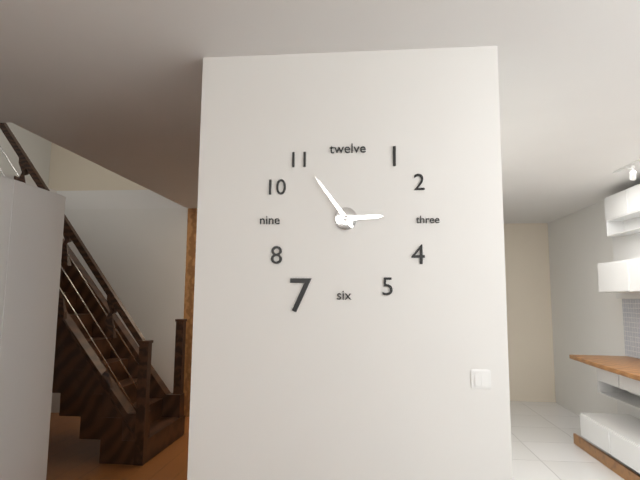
2:54
